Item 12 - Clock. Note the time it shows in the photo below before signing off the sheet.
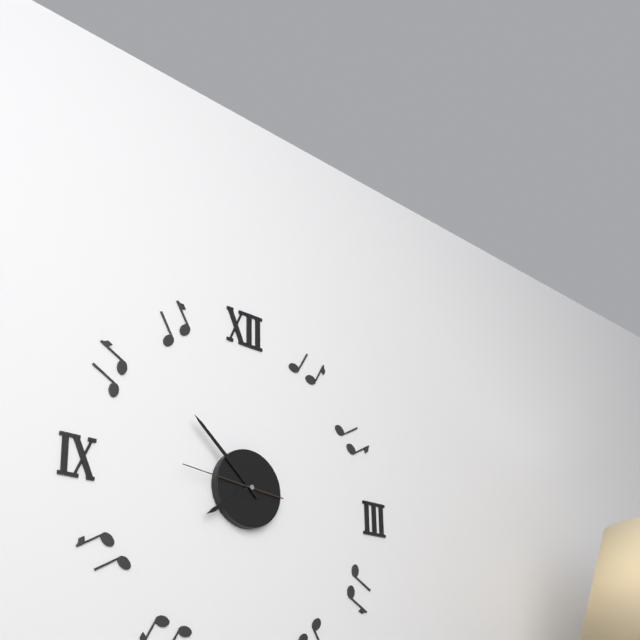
7:52:46
